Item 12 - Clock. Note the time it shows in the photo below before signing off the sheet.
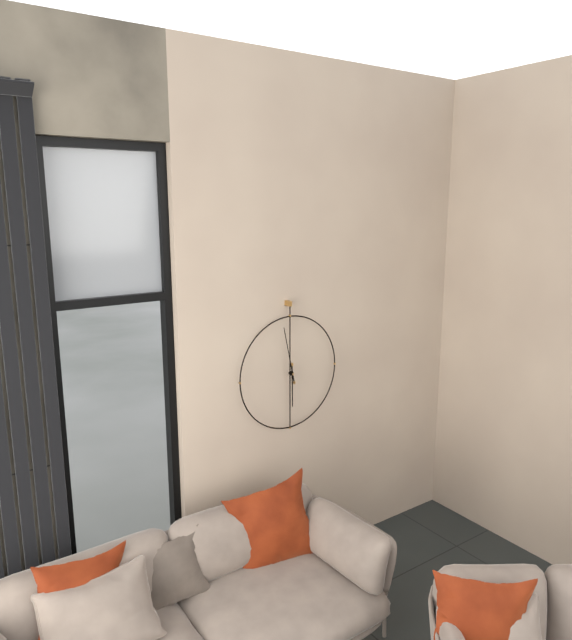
5:58
